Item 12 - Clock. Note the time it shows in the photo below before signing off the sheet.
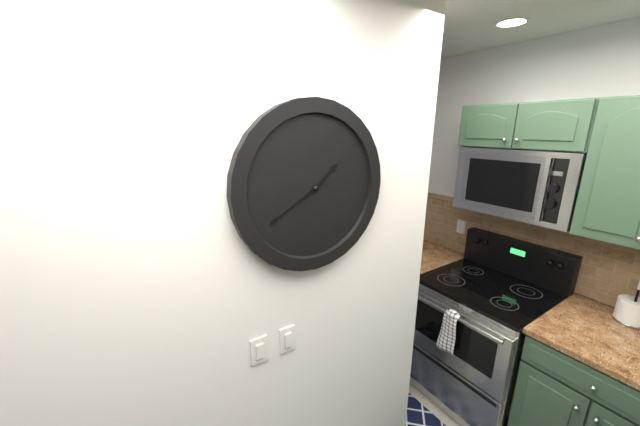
1:40
